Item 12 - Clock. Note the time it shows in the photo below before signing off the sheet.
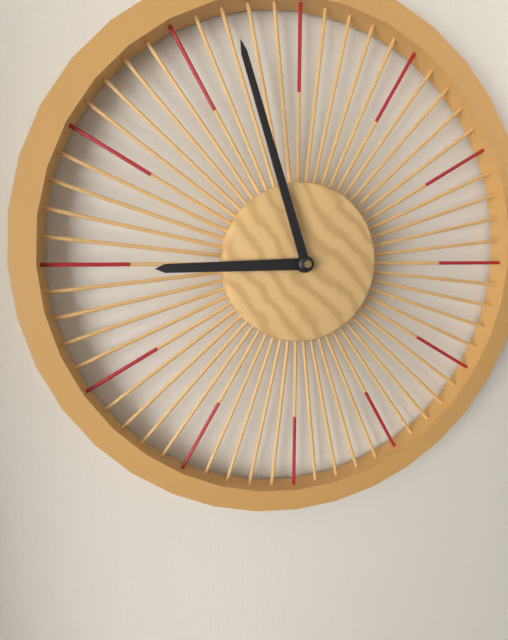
8:57
